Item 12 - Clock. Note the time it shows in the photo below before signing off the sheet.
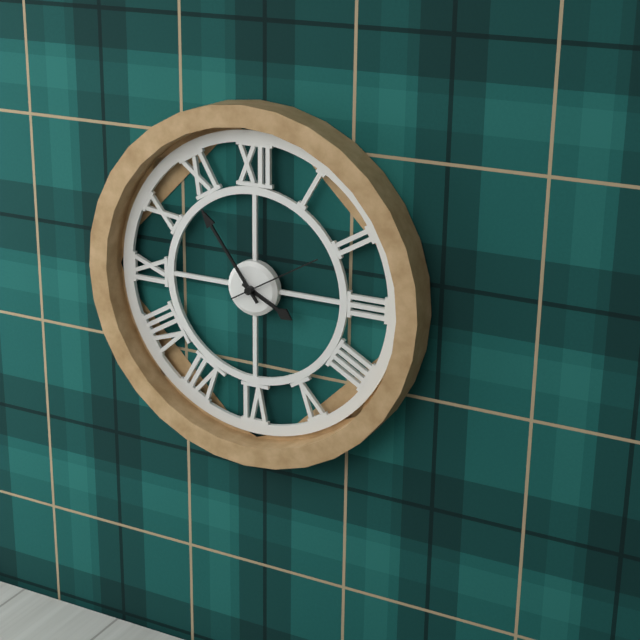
3:54:10
